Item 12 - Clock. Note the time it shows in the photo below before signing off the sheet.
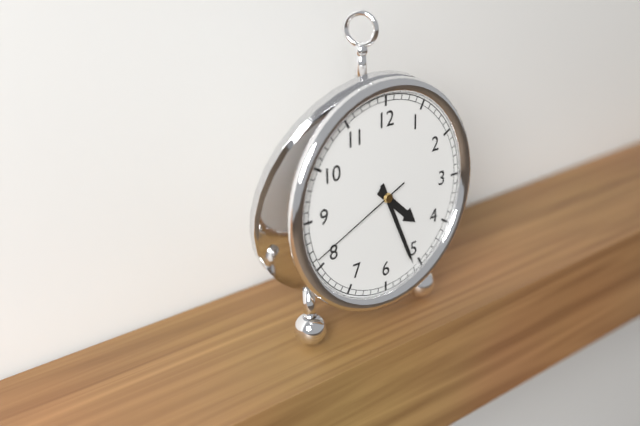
4:26:41
